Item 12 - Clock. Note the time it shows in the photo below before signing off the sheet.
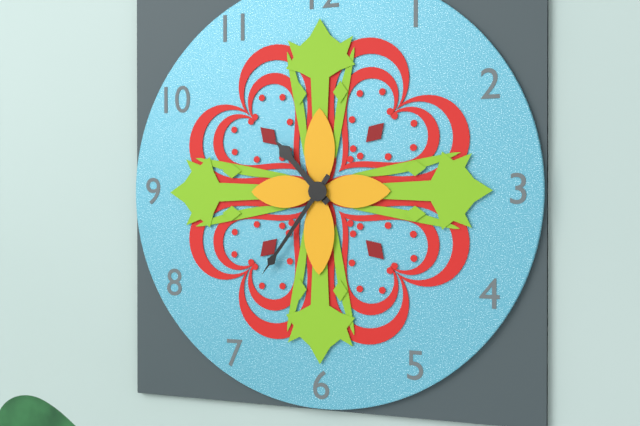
10:36
